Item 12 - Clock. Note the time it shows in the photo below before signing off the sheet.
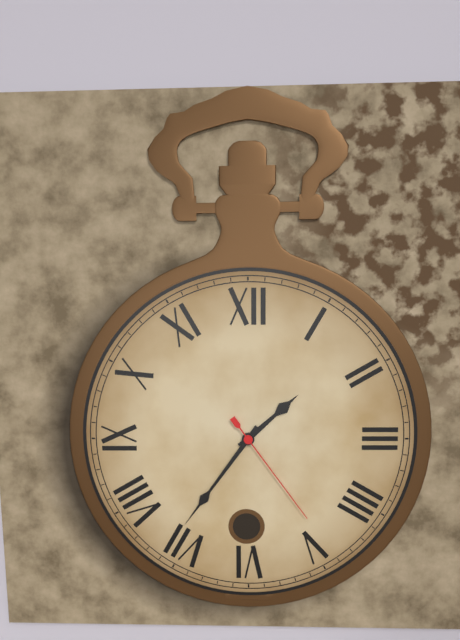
1:36:24
